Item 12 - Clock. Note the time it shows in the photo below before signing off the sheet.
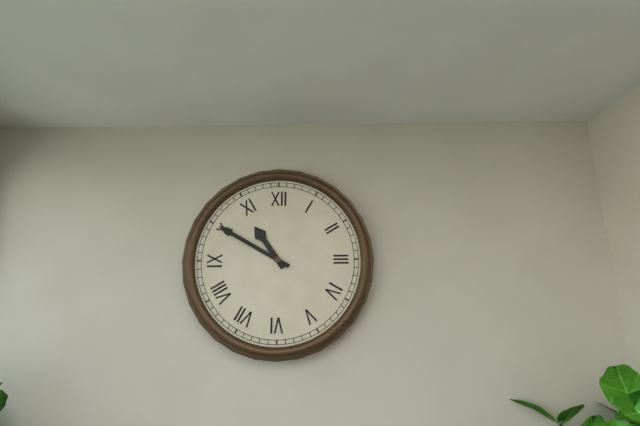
10:50
